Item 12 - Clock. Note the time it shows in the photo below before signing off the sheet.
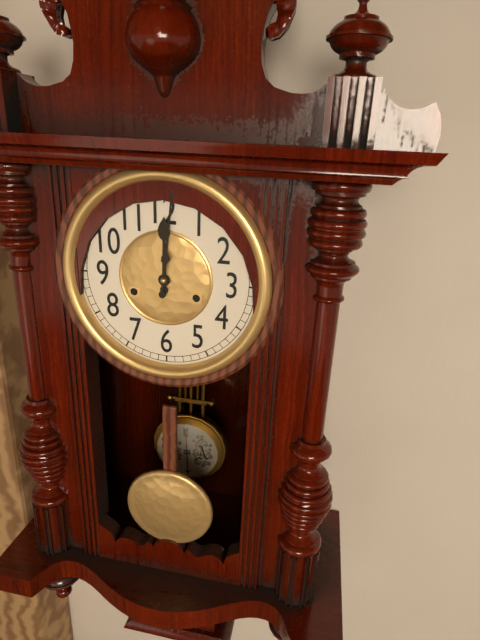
12:01
